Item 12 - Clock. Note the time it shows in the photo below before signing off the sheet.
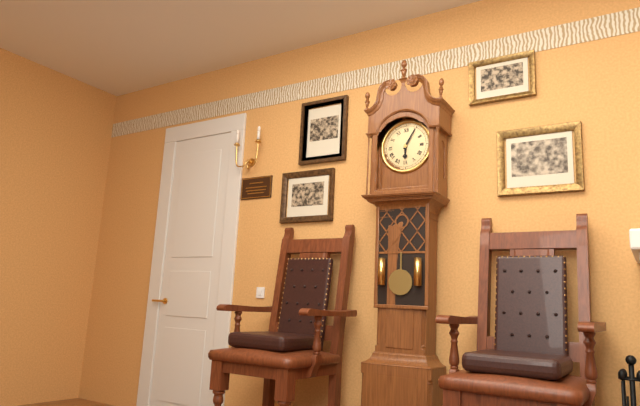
6:05
